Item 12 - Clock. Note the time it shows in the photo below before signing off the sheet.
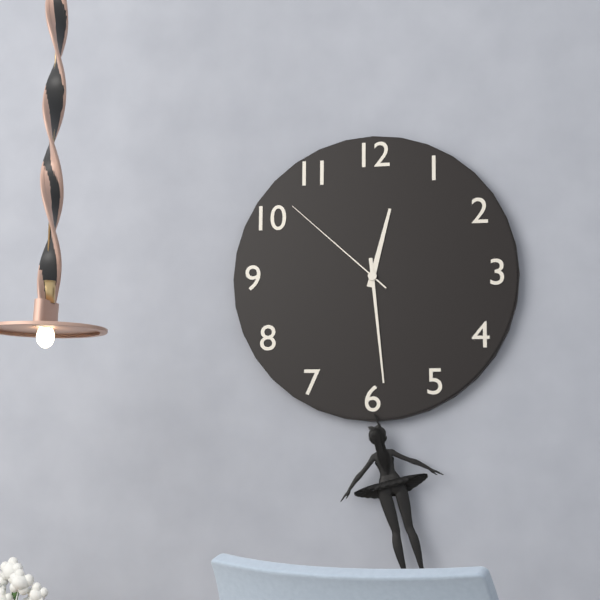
12:29:52
